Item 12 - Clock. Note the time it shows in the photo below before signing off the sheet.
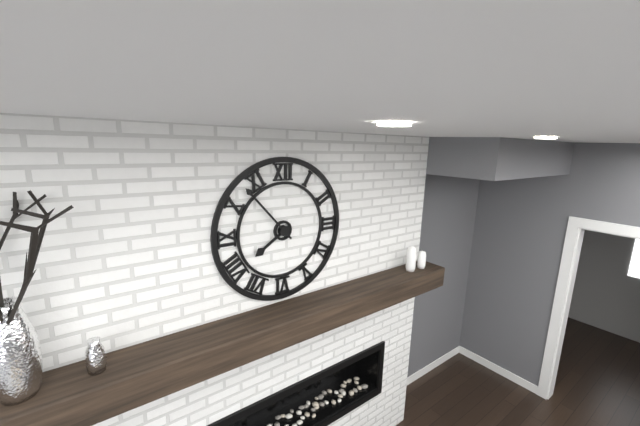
7:53
